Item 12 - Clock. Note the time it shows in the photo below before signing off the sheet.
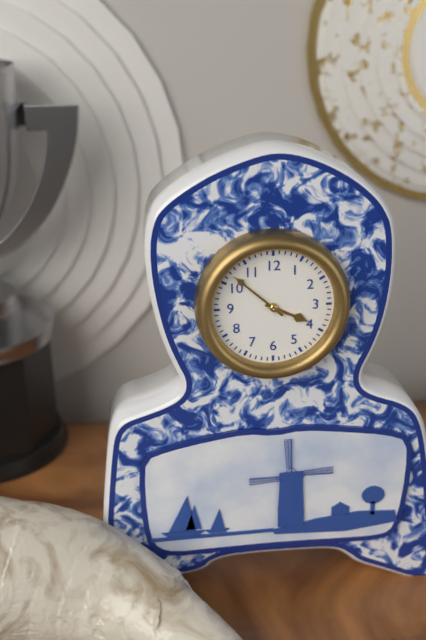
3:52
